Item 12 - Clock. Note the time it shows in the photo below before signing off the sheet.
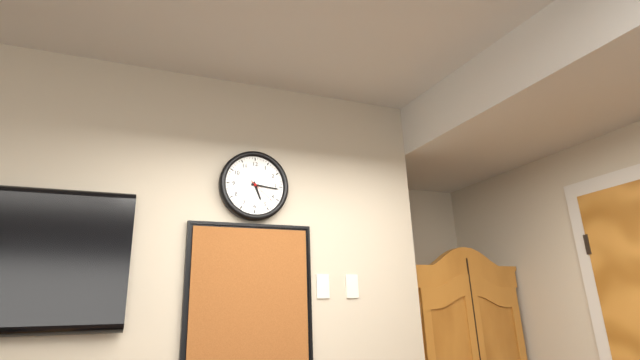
5:16
